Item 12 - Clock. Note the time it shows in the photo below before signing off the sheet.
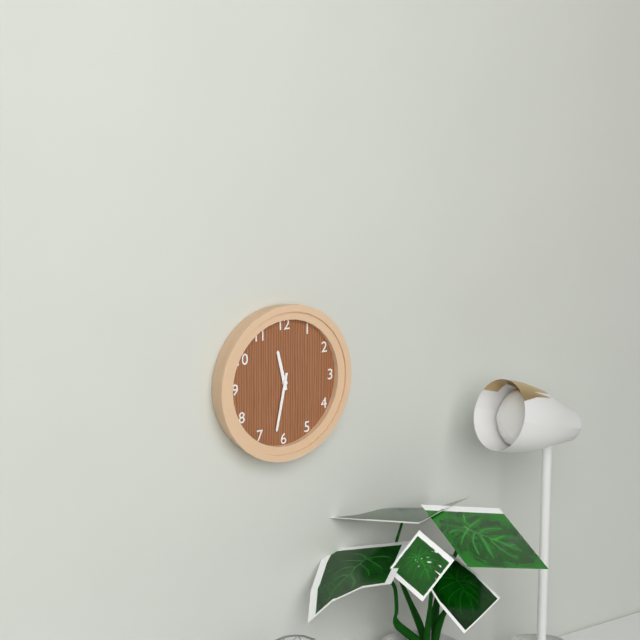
11:32
